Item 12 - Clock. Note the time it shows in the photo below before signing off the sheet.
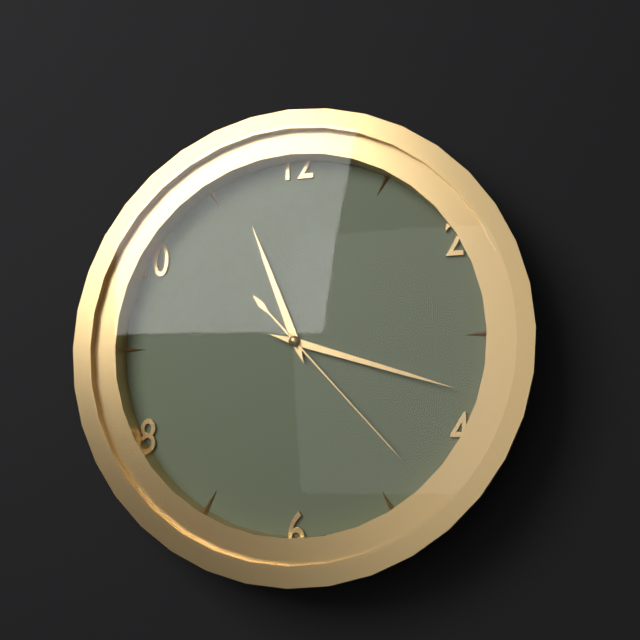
11:18:23
